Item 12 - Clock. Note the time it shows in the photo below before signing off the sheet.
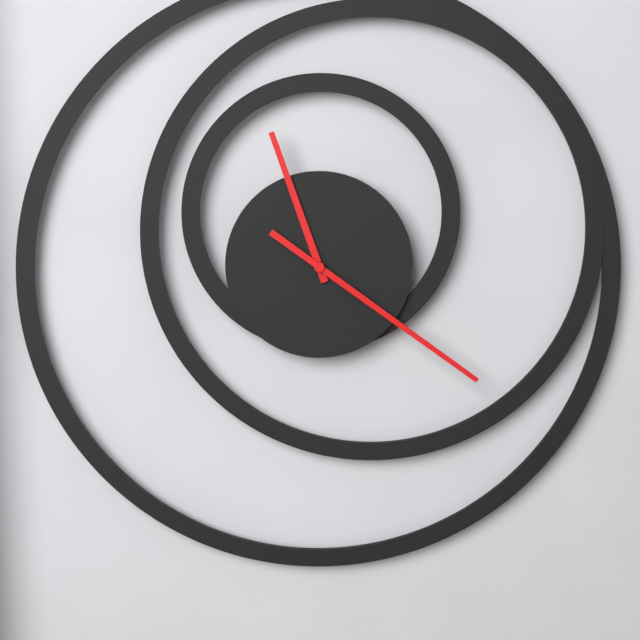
11:21
